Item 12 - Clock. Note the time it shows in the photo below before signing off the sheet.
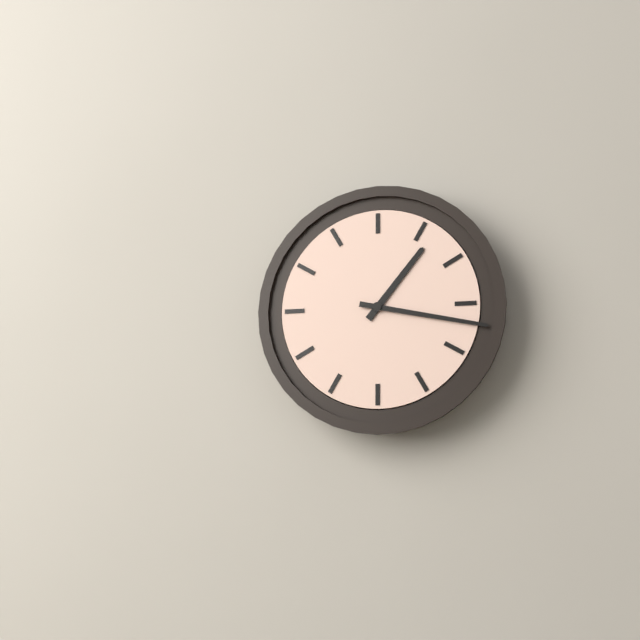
1:17
